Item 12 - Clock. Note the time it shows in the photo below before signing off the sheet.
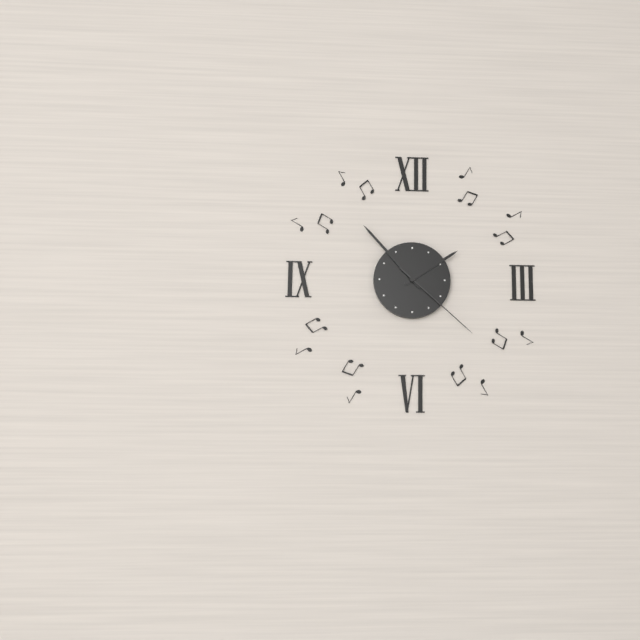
1:53:22
